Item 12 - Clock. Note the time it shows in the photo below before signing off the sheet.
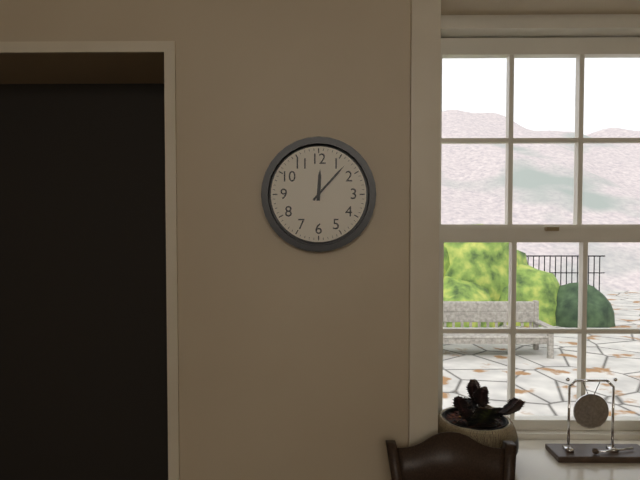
12:07
